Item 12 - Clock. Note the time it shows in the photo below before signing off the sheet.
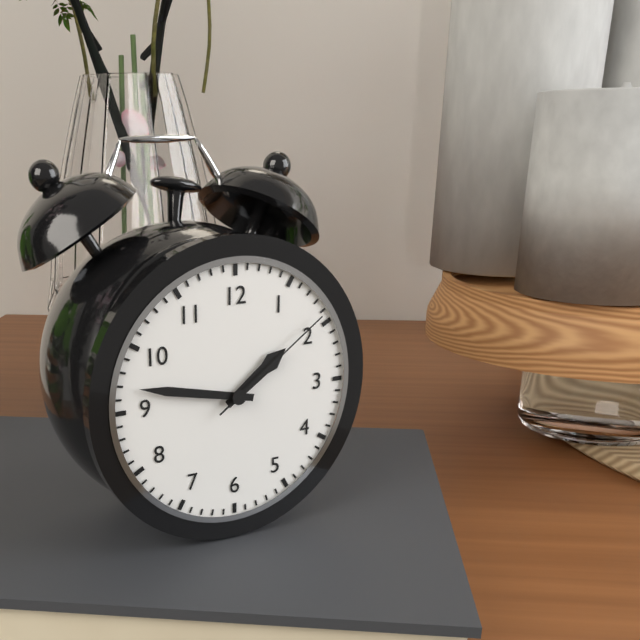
1:47:09
